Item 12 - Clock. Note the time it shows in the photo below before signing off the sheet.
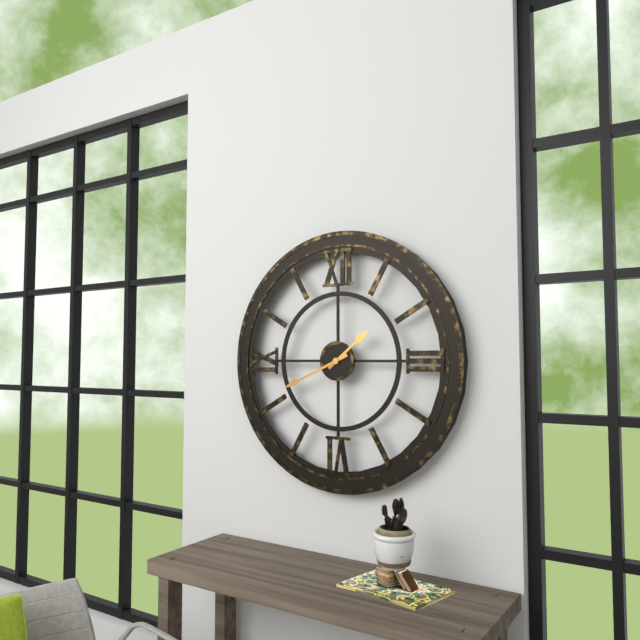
1:41
